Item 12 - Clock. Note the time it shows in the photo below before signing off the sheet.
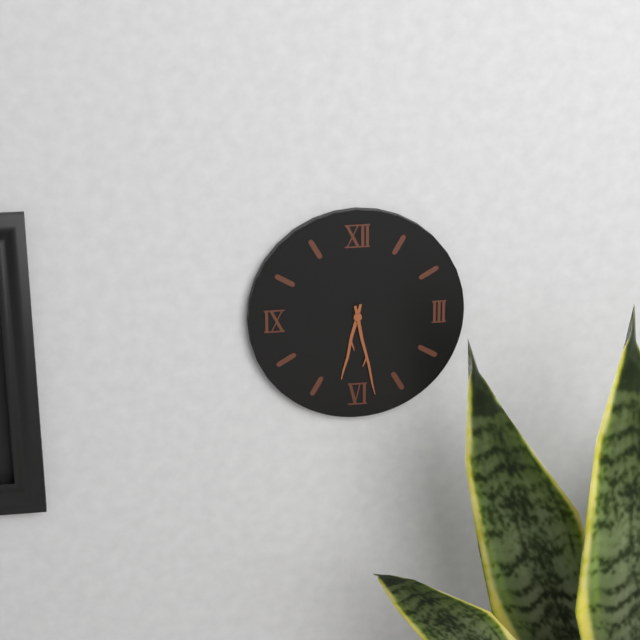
6:28
